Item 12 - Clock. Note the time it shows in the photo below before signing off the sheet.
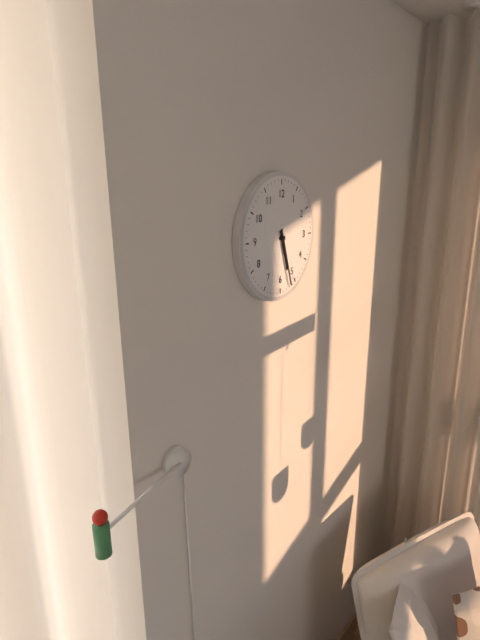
5:27
